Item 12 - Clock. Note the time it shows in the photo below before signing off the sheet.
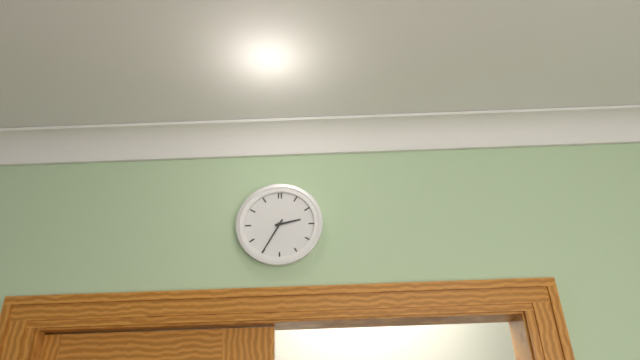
2:35
